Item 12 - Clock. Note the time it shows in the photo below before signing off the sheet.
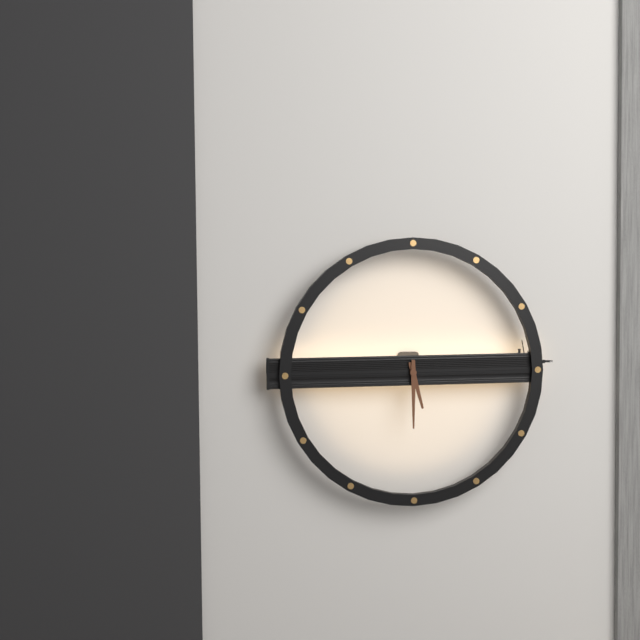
5:30
